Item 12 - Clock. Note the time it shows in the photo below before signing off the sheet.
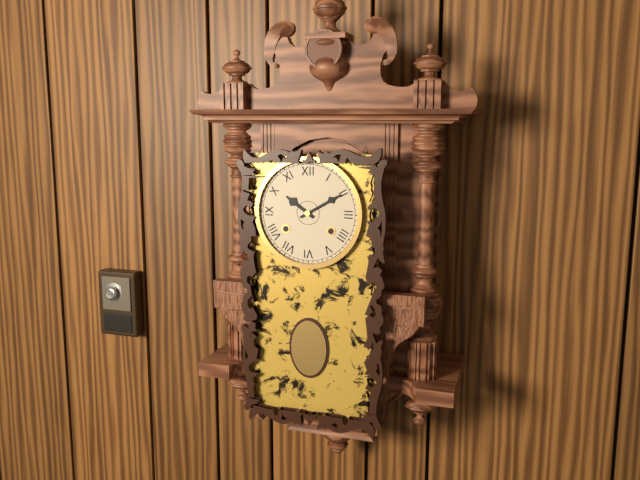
10:10
